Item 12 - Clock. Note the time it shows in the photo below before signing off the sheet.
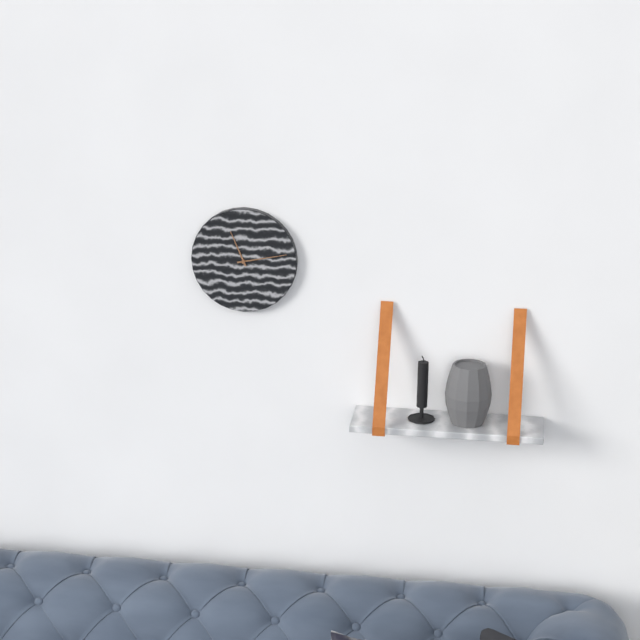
11:13
